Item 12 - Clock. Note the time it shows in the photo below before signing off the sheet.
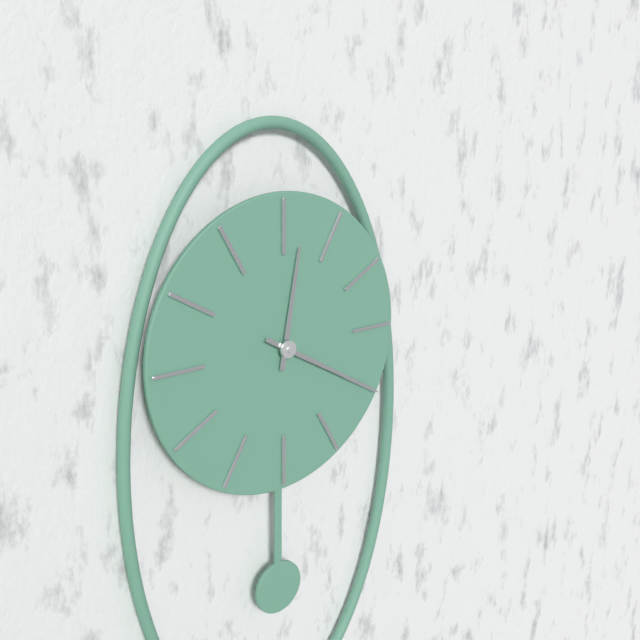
12:20
